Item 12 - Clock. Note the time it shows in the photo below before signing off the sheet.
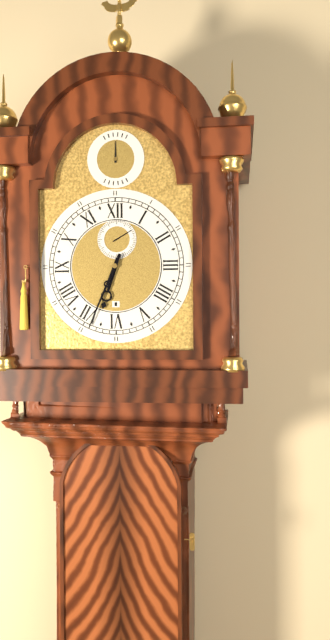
6:34
